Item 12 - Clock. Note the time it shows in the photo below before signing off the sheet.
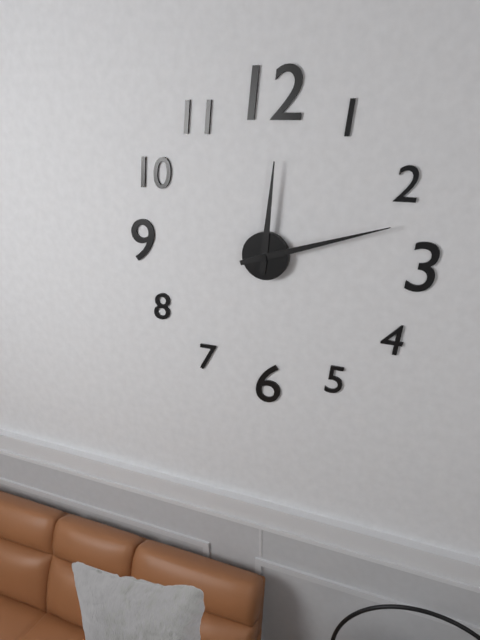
12:12
